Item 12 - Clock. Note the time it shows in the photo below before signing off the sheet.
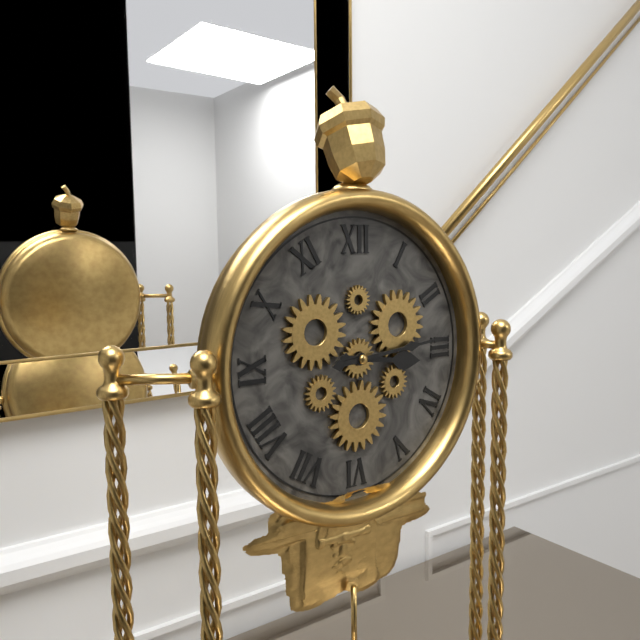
3:14
